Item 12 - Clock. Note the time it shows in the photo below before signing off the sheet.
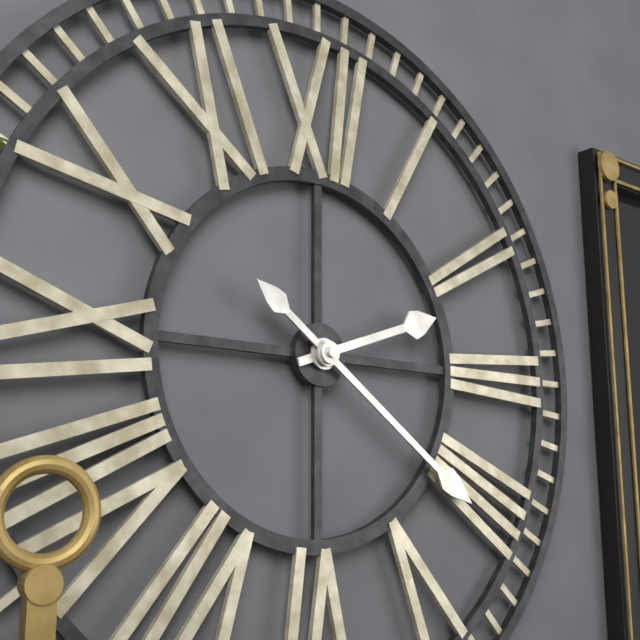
2:21
